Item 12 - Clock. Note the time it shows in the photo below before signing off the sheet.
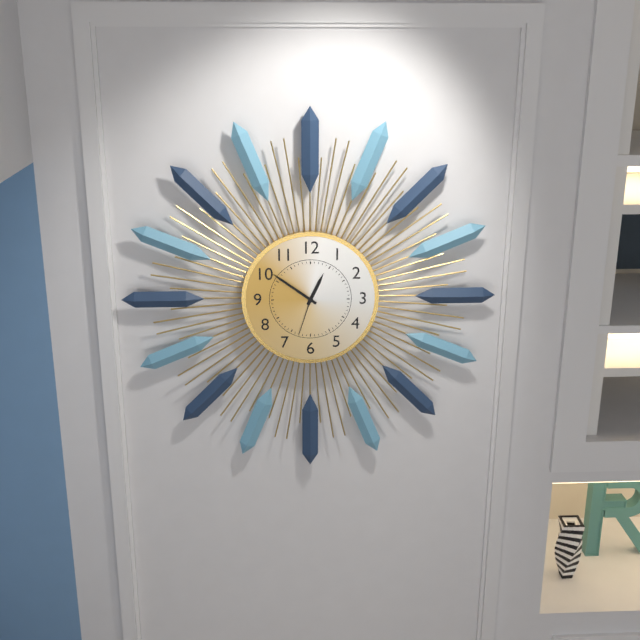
12:51
